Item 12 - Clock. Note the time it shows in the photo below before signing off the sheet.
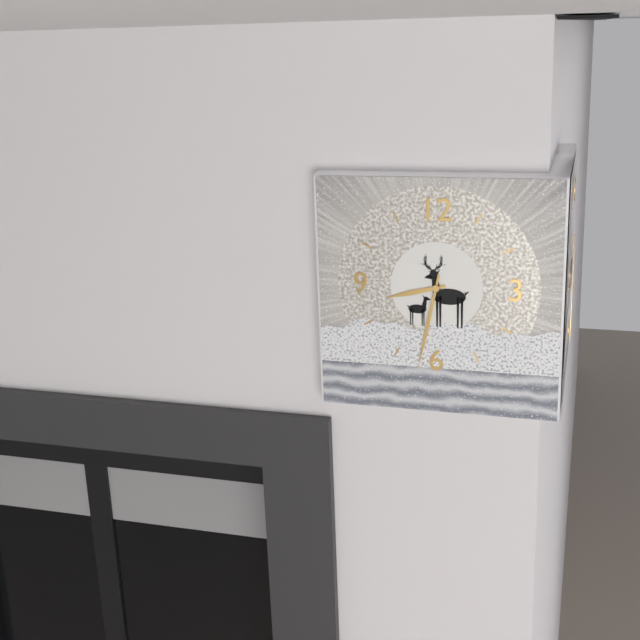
8:32
